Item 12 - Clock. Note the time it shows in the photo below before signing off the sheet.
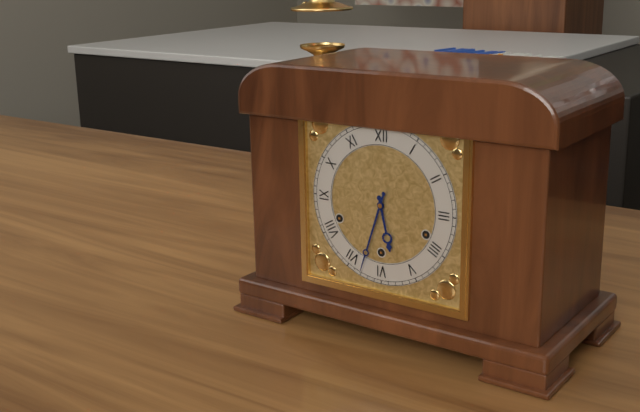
5:33
